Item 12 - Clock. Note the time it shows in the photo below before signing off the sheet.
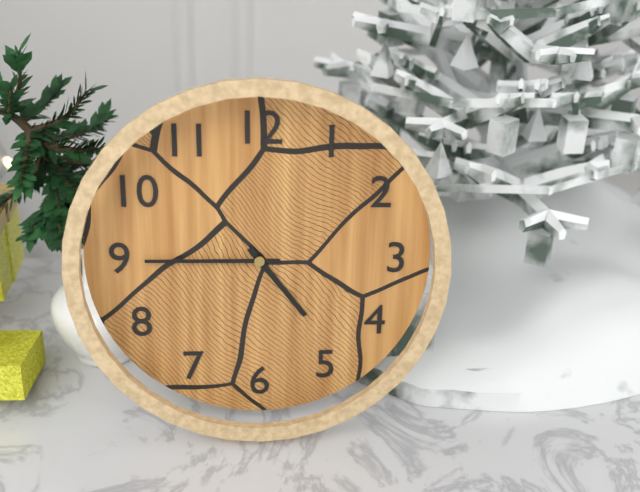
4:45
